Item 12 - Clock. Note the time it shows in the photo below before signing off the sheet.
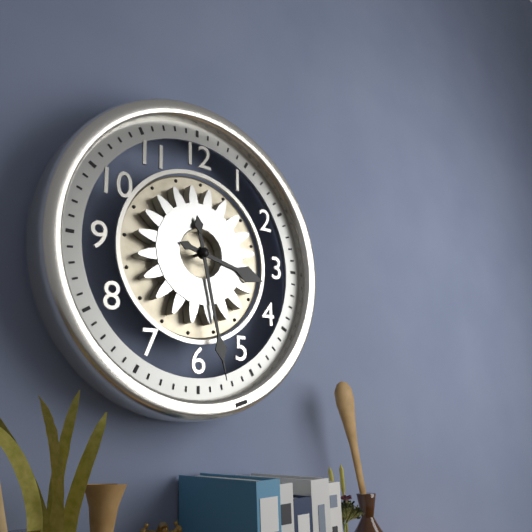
3:28
